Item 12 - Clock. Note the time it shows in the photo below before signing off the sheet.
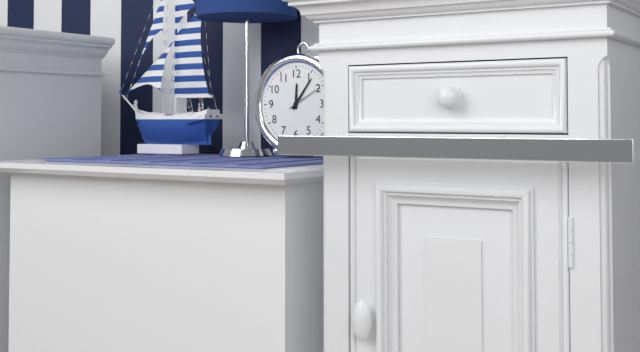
12:06
